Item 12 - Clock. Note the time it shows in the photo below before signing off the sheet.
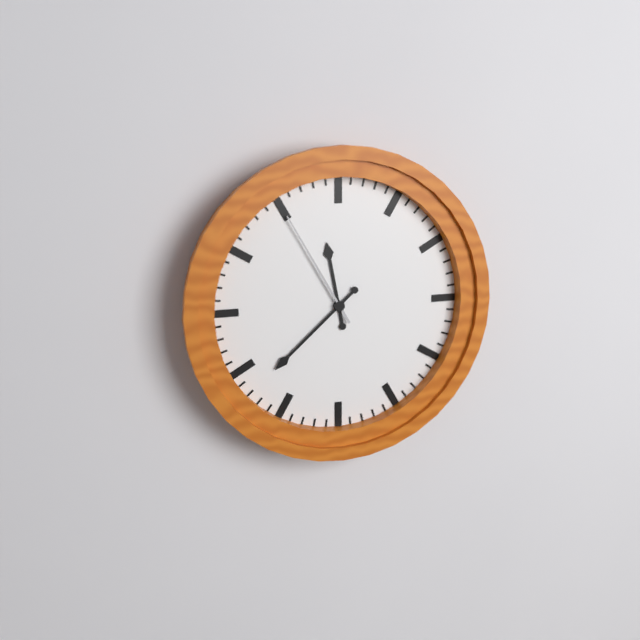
11:38:55
